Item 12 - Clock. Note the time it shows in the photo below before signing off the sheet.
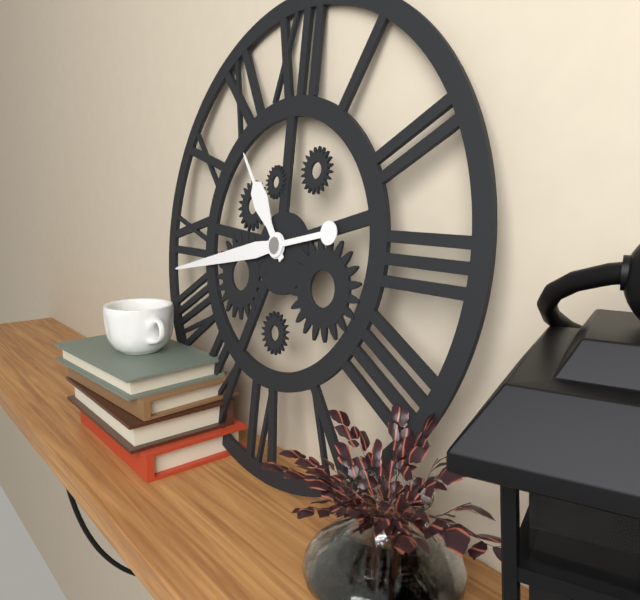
10:43
